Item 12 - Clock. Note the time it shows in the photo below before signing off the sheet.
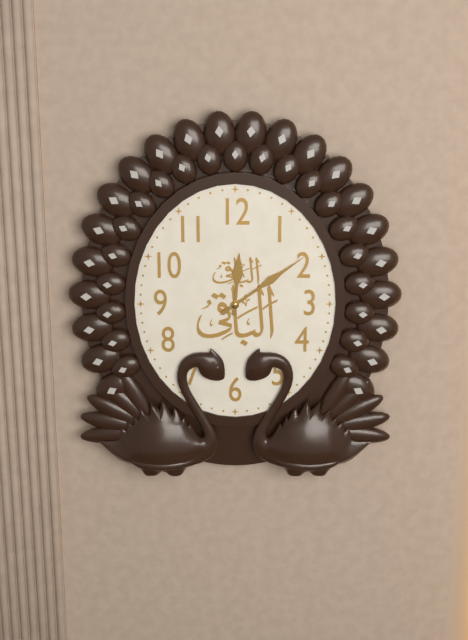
12:09
